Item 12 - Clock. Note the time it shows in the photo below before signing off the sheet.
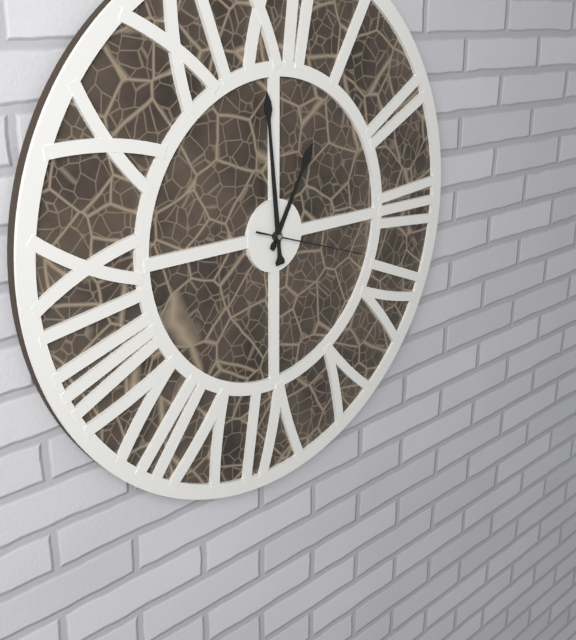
12:59:18
